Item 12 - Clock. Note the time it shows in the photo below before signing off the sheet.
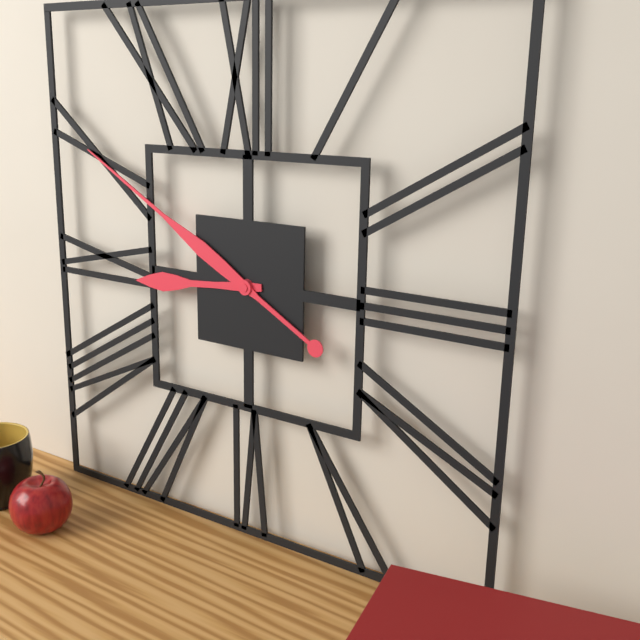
8:50
